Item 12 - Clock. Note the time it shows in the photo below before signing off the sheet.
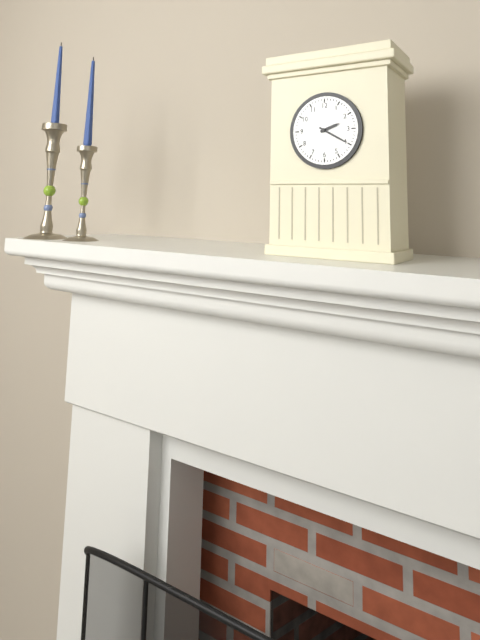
2:20
